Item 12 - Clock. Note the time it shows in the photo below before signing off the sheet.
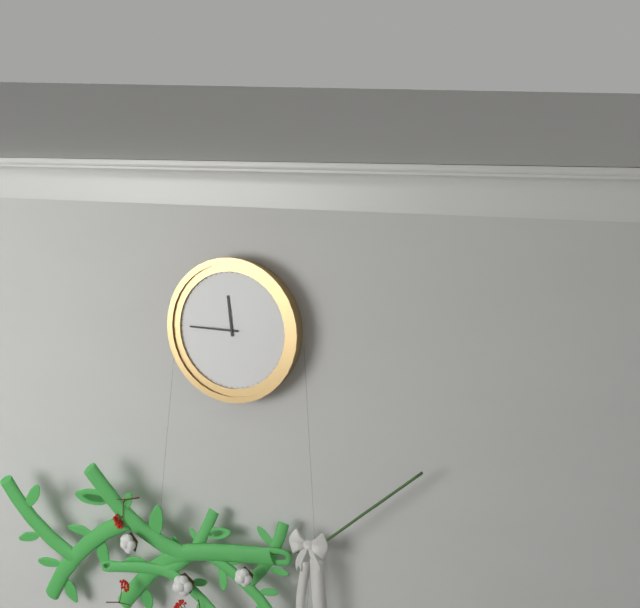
11:45
